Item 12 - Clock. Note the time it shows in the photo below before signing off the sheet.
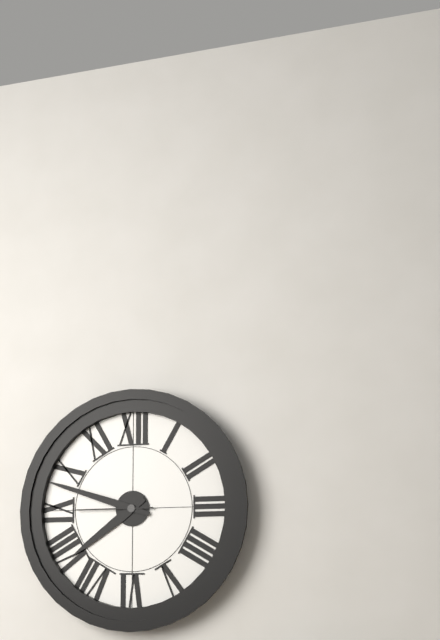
7:48:45
